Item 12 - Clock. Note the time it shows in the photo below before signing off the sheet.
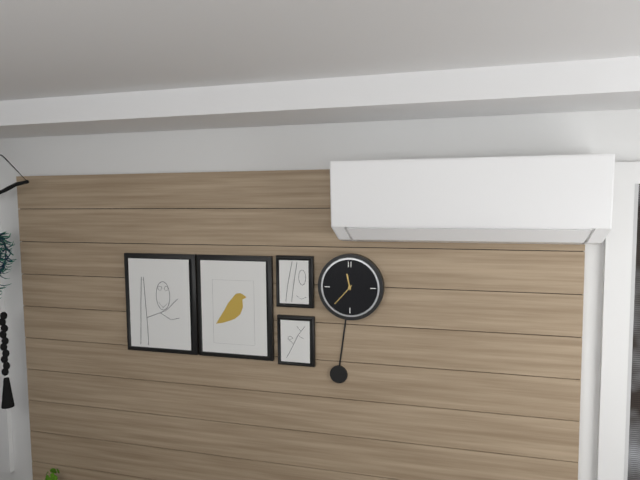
11:37
